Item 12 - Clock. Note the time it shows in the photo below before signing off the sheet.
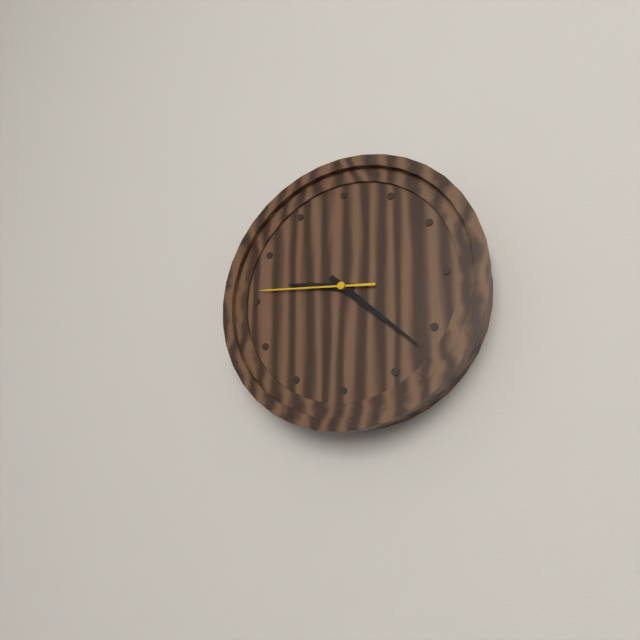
9:22:46
